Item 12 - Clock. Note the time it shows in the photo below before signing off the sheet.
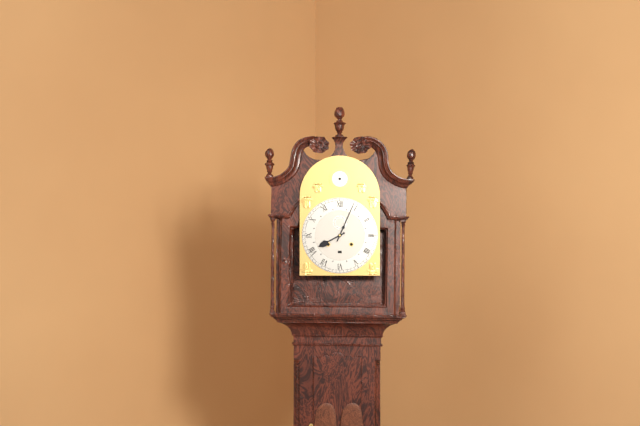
8:04
